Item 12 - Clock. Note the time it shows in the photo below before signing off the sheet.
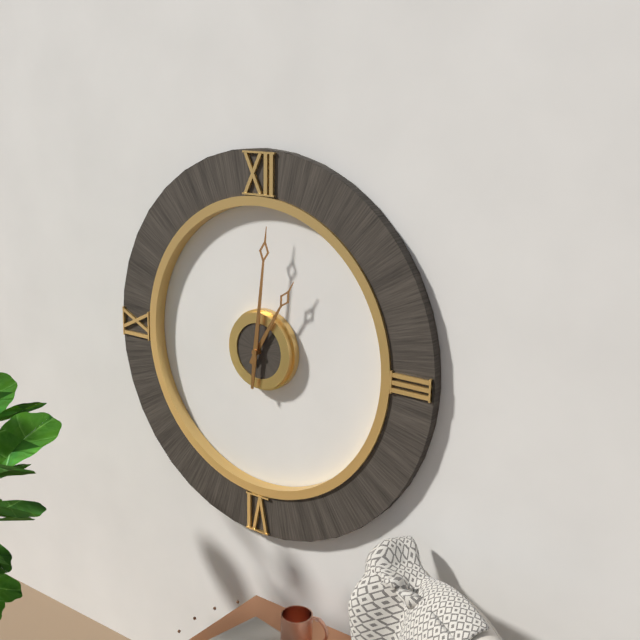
1:01
